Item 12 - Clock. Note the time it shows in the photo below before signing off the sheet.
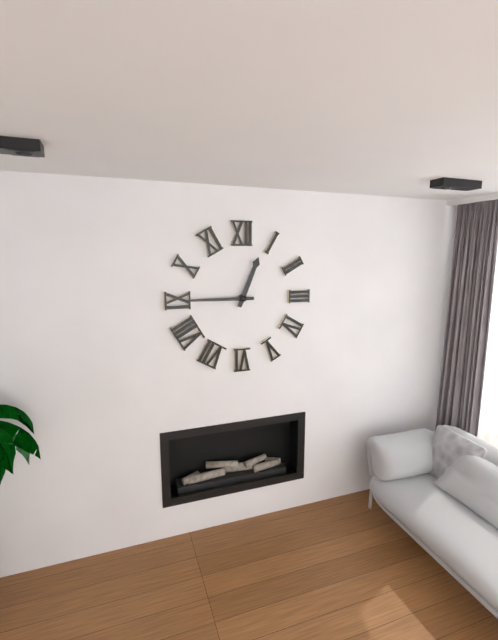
12:45
